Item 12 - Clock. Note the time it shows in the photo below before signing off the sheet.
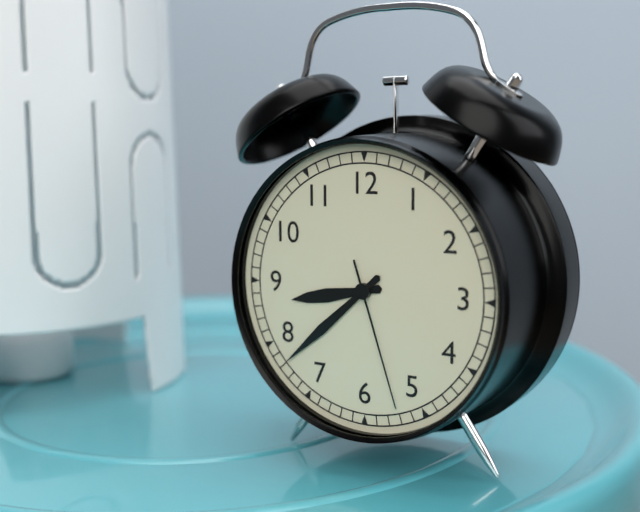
8:38:27
